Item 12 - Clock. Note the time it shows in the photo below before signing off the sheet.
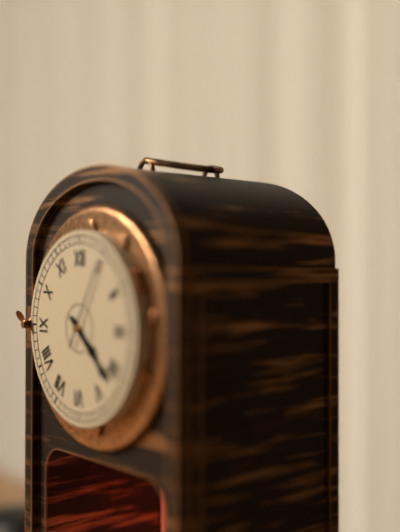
4:22:05
